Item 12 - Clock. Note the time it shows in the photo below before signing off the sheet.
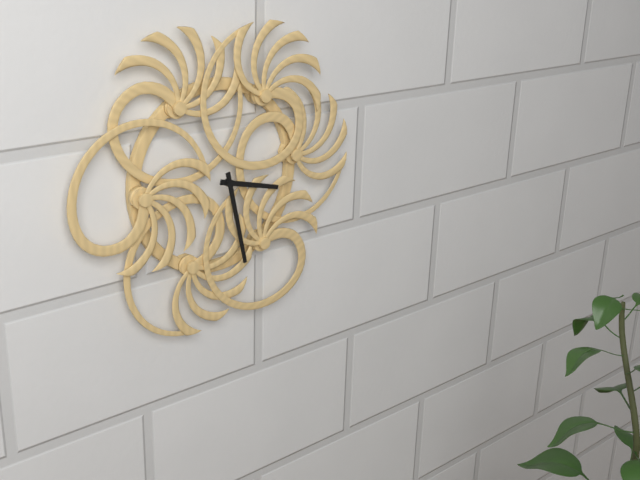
3:28
